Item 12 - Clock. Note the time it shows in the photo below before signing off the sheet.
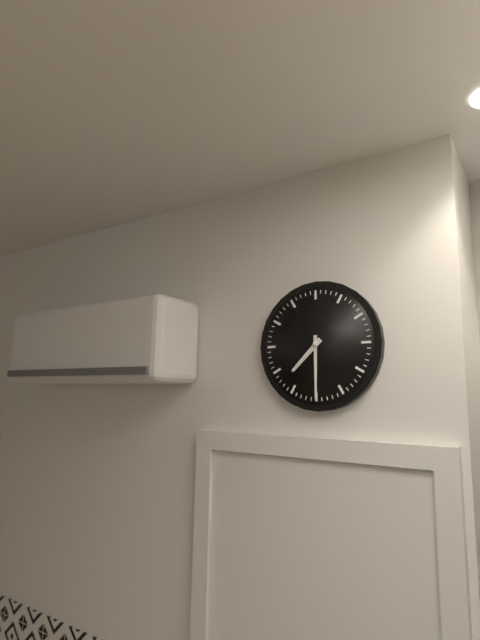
7:30
